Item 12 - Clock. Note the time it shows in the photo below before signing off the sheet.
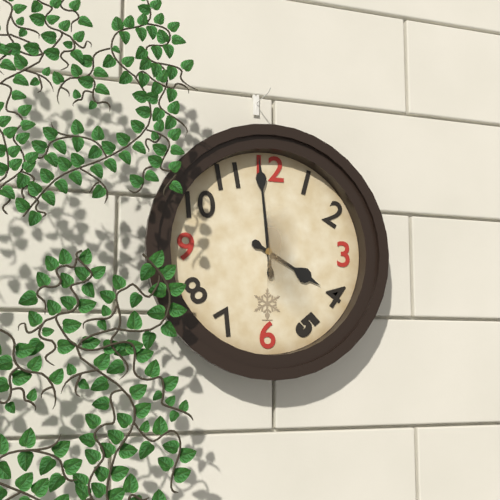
3:59
